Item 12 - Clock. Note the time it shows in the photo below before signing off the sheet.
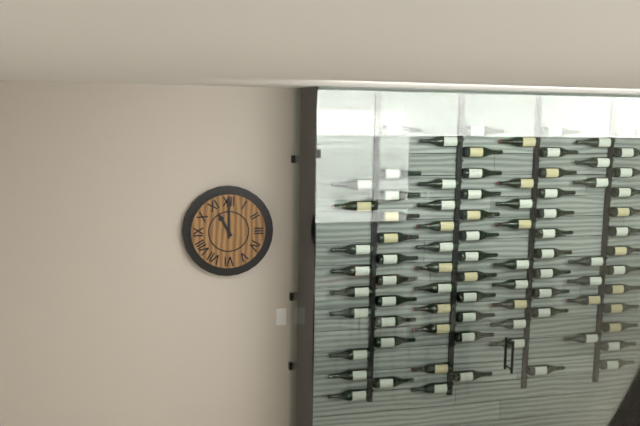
11:00
